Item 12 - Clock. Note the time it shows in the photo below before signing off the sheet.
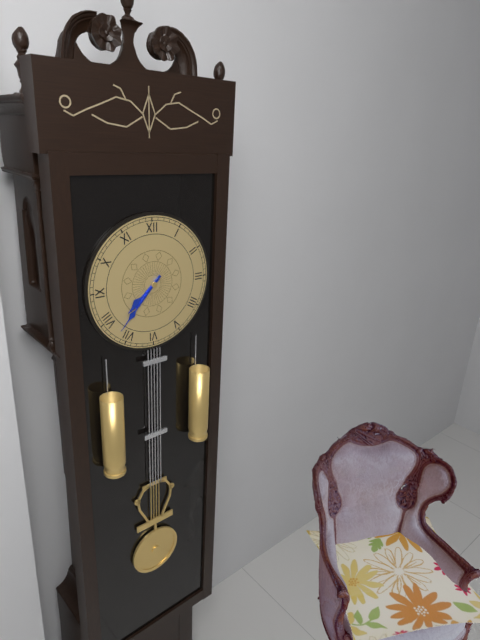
7:37
